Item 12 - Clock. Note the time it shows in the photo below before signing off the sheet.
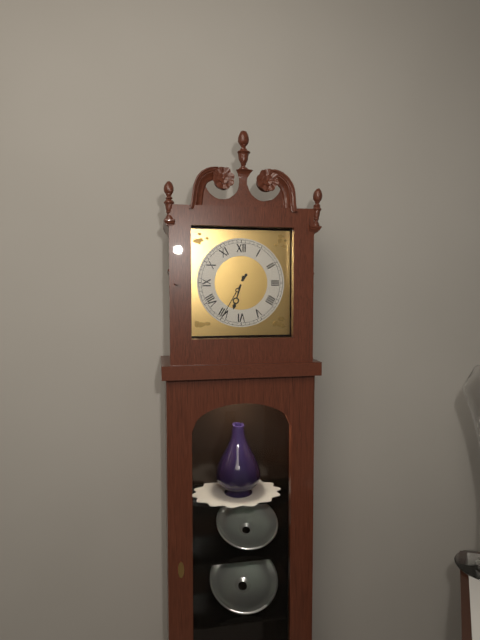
6:35
